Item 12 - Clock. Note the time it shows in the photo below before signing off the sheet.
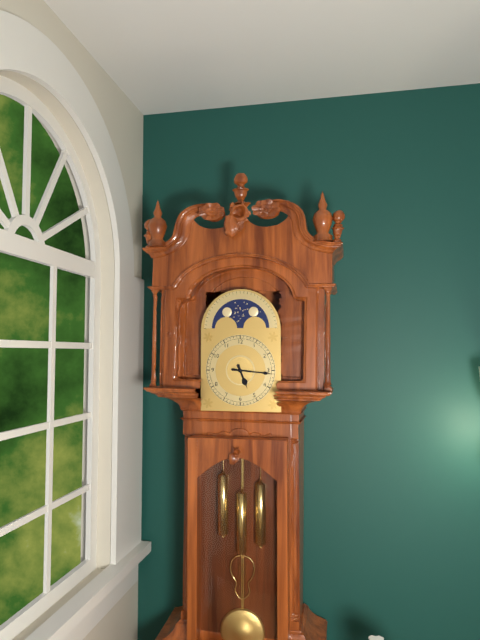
5:16
